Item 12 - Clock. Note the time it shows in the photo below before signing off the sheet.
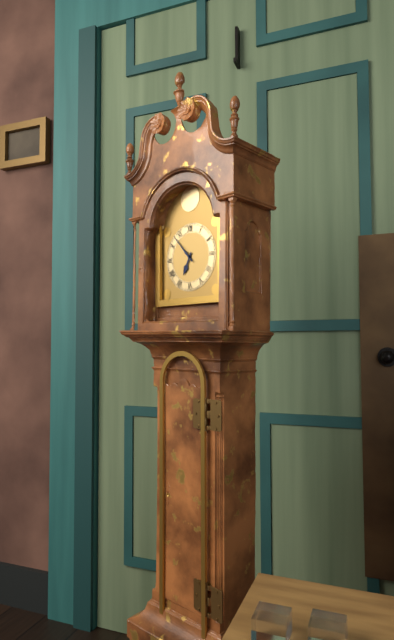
6:53
